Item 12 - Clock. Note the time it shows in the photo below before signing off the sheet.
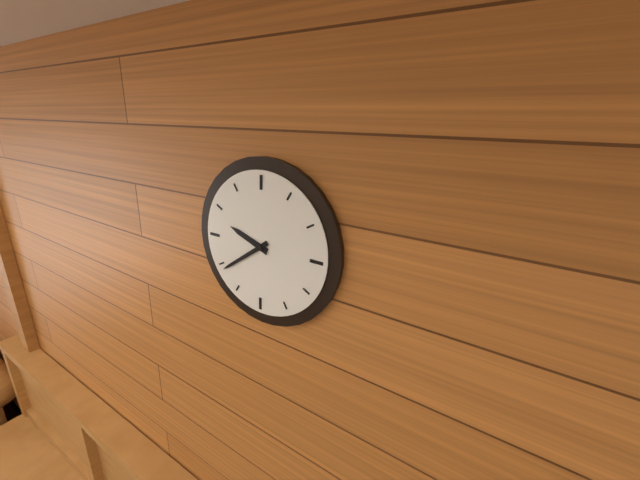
9:39
